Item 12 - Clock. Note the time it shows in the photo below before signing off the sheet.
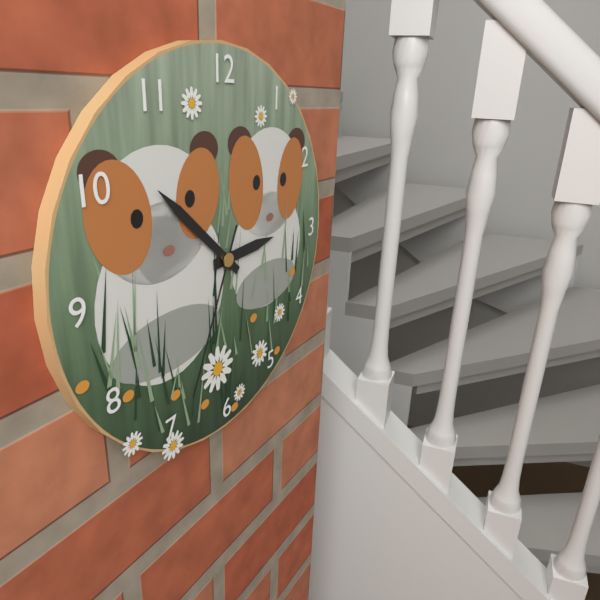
2:52:34
